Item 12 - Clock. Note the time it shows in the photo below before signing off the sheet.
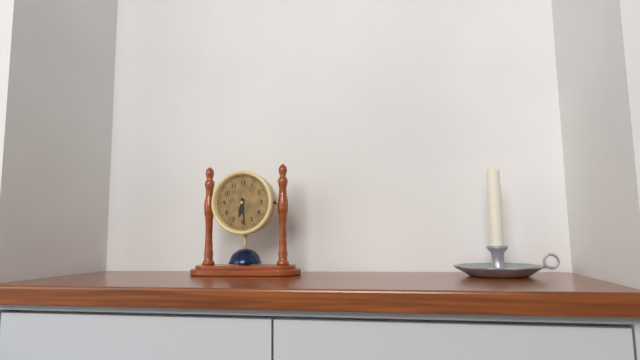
6:29
